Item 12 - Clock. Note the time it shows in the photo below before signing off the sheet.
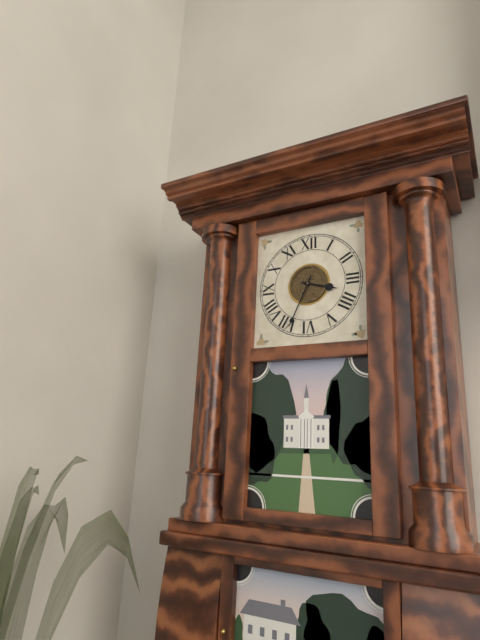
3:34
